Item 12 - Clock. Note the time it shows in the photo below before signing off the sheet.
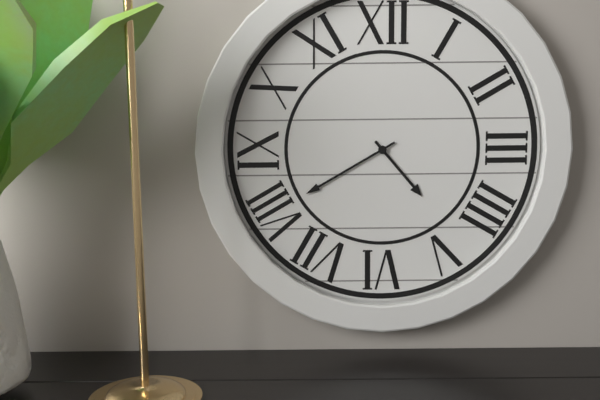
4:40
